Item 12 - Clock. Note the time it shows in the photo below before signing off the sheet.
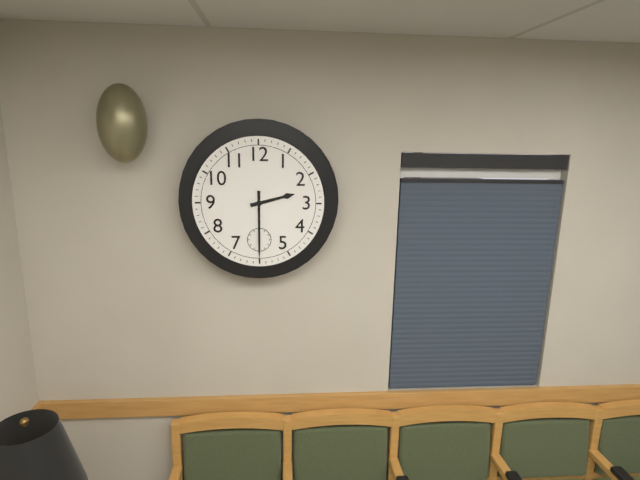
2:30
